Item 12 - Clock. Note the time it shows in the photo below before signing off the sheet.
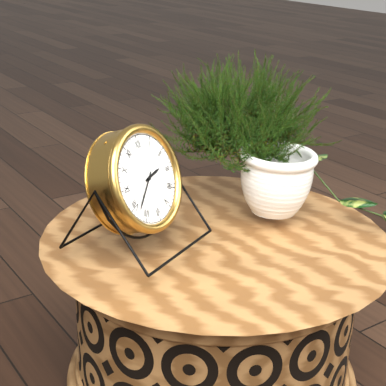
2:38
